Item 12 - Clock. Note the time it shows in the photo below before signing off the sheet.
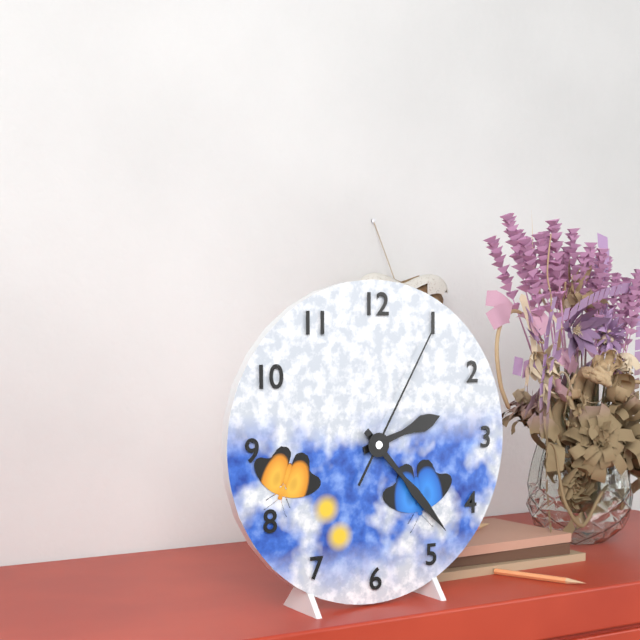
2:23:05
